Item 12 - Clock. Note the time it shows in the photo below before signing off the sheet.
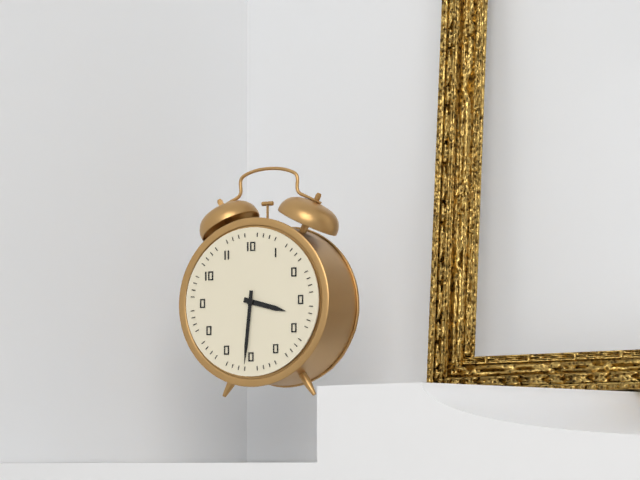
3:31
